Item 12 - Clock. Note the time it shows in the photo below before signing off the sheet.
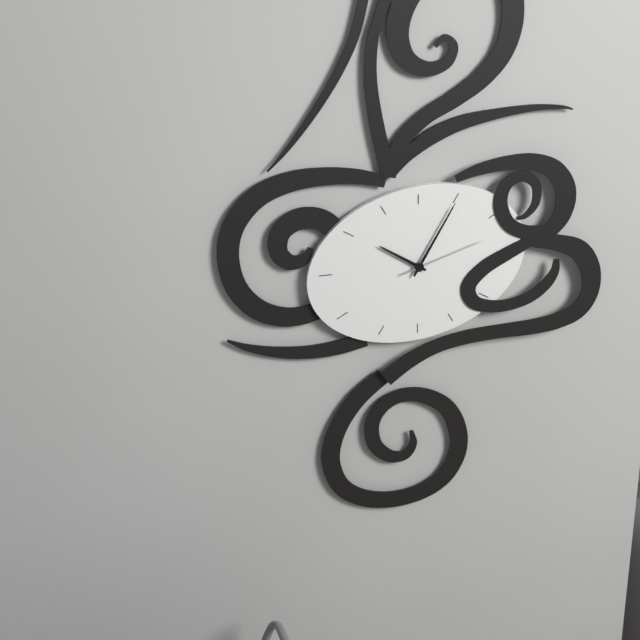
10:05:12
